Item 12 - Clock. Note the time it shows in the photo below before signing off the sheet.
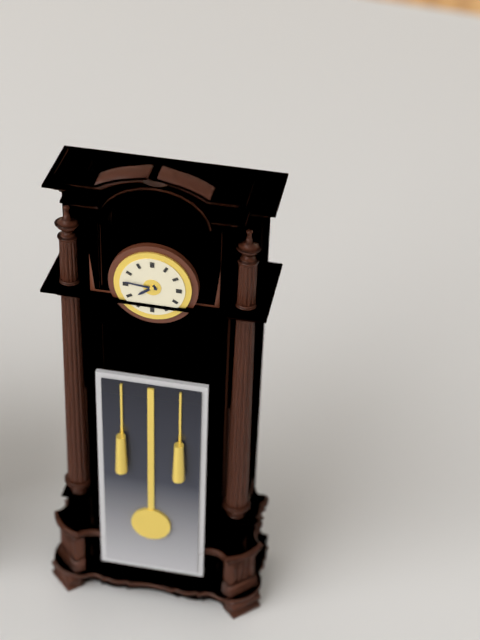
7:46
